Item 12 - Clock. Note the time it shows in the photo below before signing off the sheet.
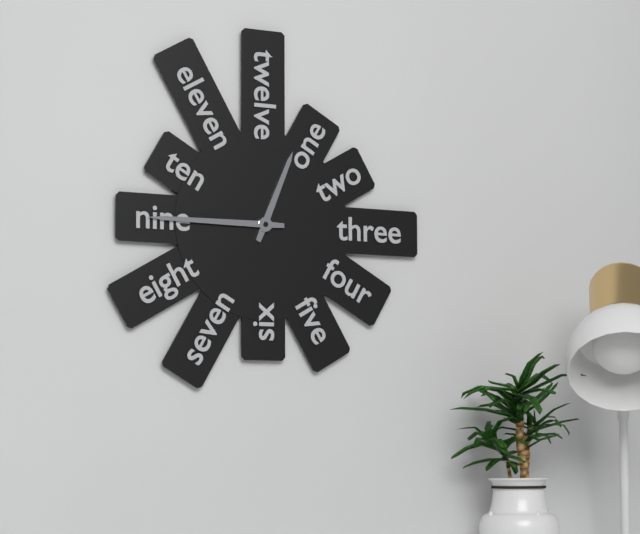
12:45
